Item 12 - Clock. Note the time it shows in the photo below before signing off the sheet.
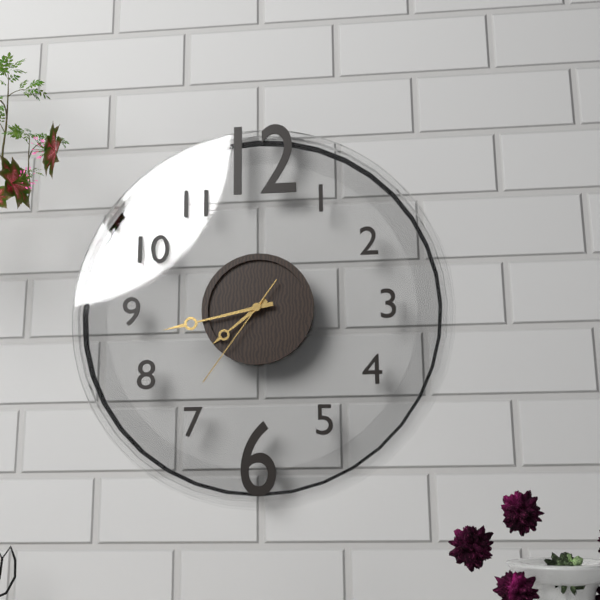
7:43:36
